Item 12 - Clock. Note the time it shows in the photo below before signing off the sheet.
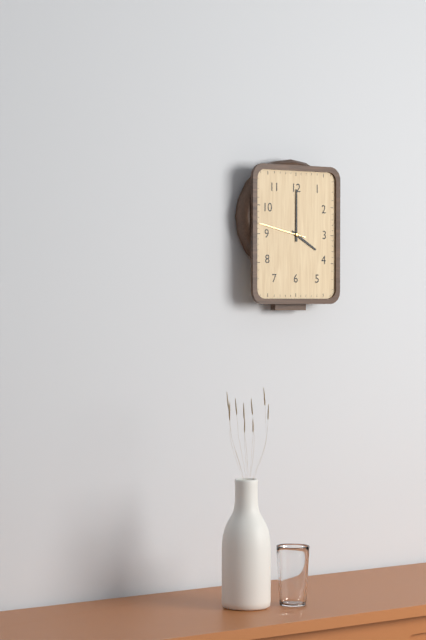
4:00
